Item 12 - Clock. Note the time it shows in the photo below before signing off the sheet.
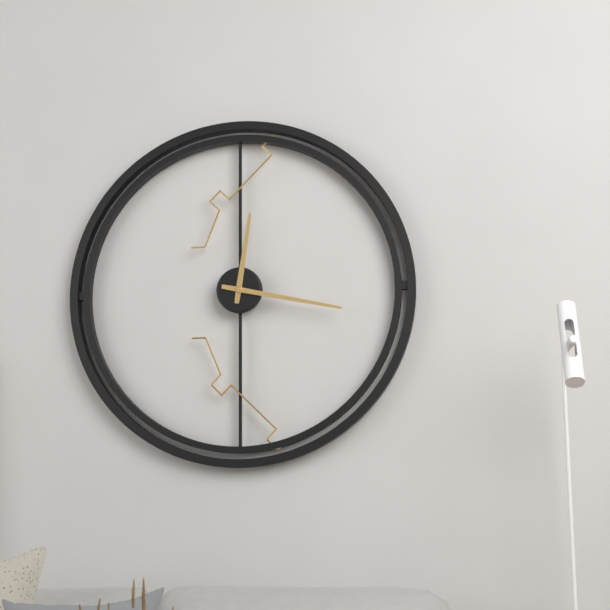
12:17
